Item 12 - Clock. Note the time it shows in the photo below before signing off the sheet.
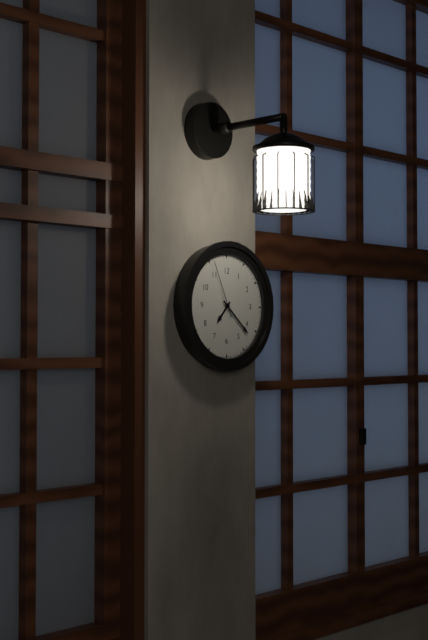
7:22:56
